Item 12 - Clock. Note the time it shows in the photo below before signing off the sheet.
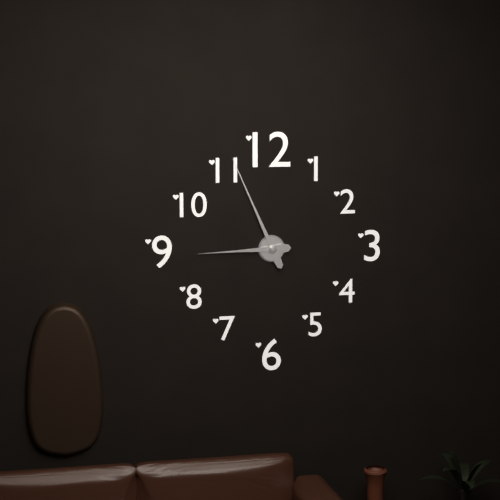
8:56
